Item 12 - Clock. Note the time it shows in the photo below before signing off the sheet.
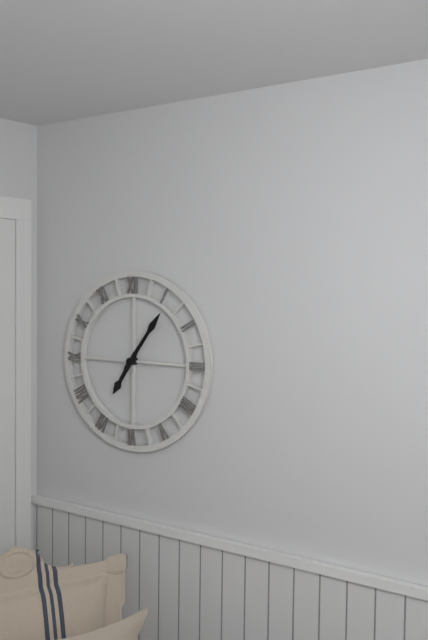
7:06
